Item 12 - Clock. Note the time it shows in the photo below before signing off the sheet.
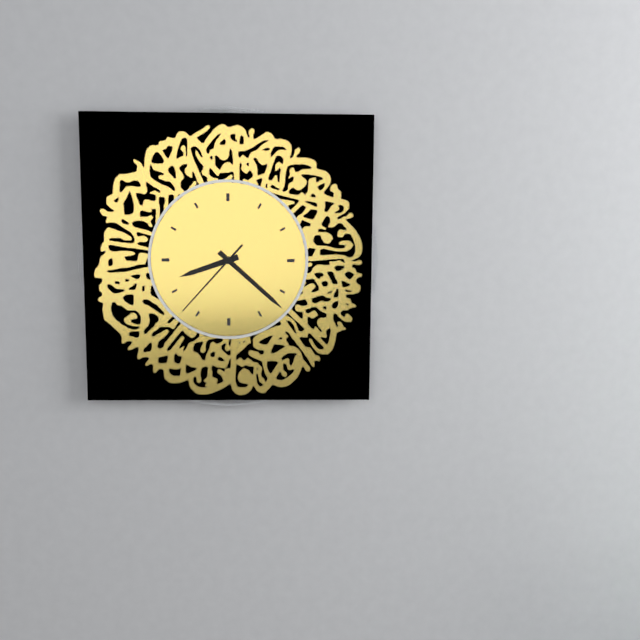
8:22:37
